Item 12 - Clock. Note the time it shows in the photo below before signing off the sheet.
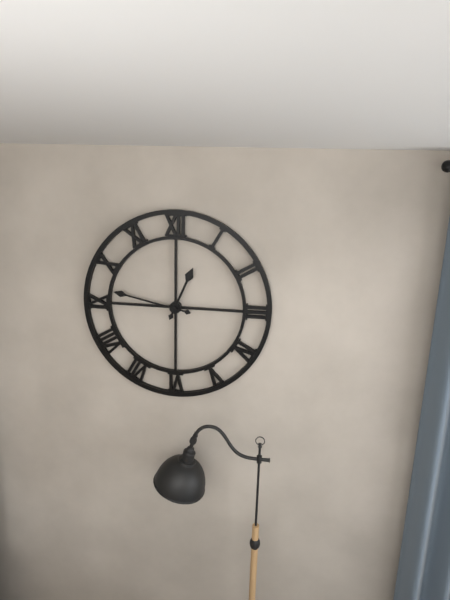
12:47
